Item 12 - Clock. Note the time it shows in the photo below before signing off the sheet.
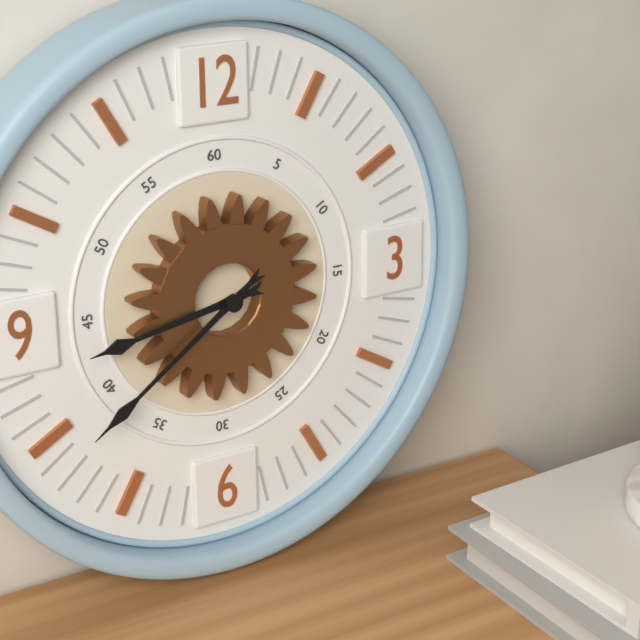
8:39
